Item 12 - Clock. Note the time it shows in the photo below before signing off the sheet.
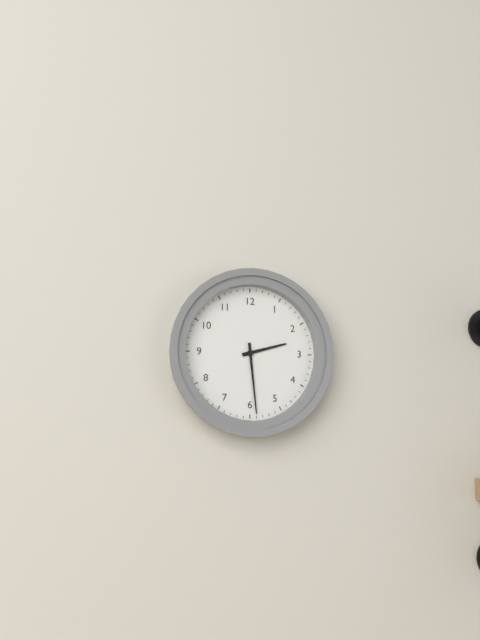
2:29
